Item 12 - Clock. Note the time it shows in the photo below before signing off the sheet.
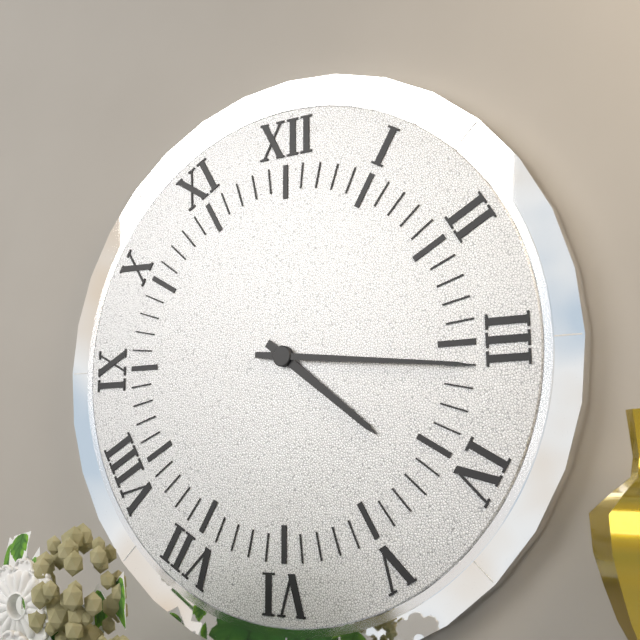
4:16
